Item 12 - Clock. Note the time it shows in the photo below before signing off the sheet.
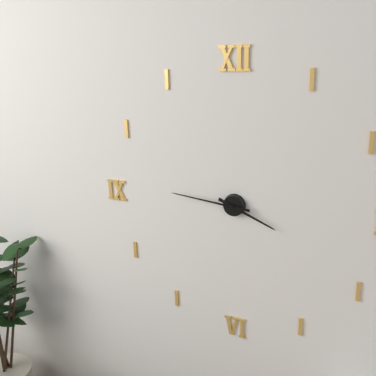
3:46
